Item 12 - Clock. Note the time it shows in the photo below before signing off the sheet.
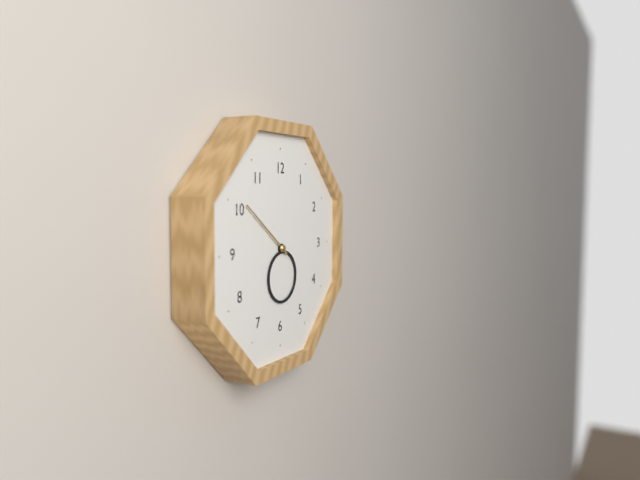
5:51
